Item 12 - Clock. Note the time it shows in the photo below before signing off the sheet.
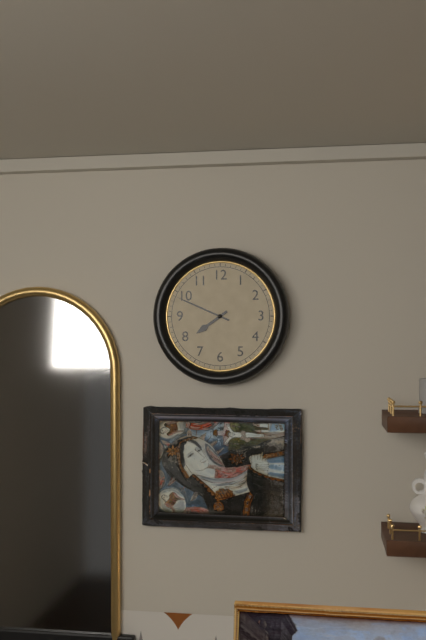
7:49
